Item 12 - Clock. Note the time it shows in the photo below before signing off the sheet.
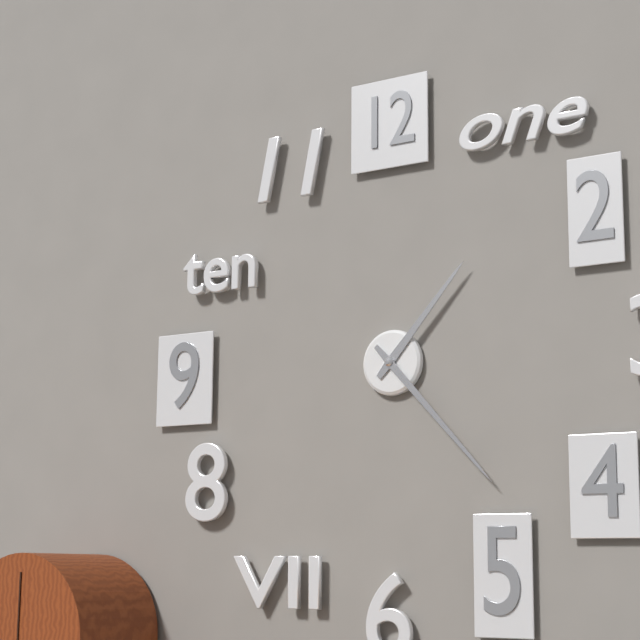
1:23
